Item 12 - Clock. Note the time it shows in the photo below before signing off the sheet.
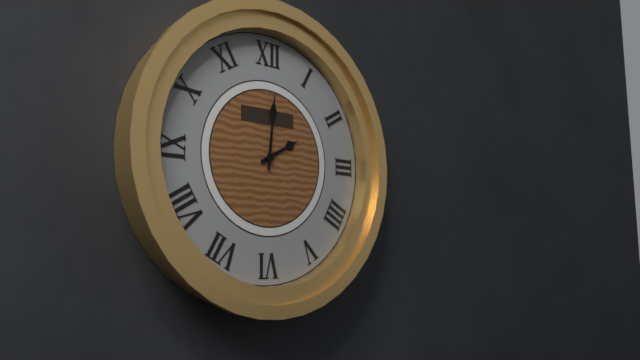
2:01
